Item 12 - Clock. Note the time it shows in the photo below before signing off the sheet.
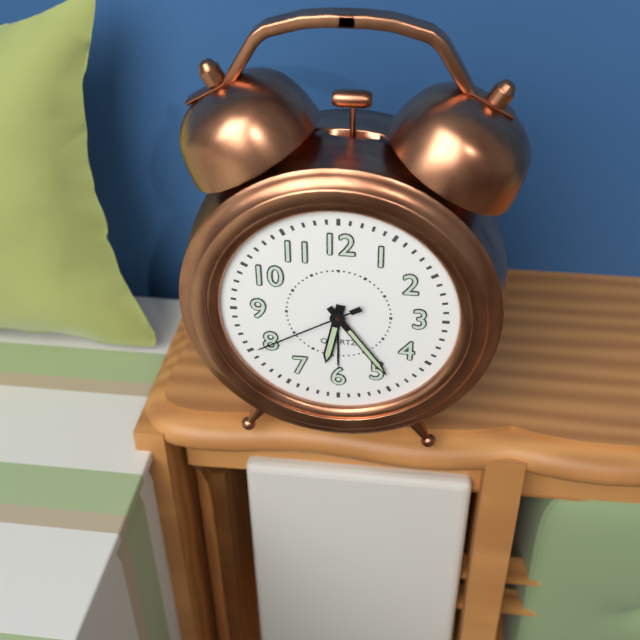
6:24:40
